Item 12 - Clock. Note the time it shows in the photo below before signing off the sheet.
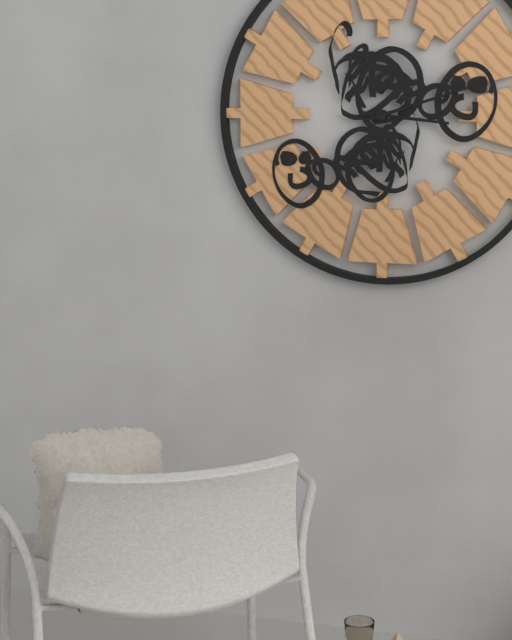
3:12
